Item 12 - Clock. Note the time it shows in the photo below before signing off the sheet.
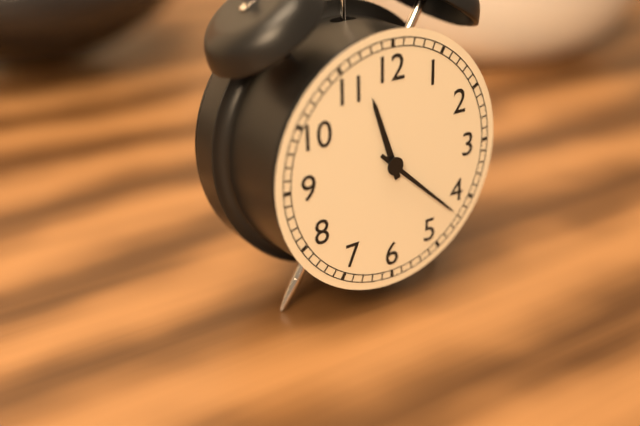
11:22
